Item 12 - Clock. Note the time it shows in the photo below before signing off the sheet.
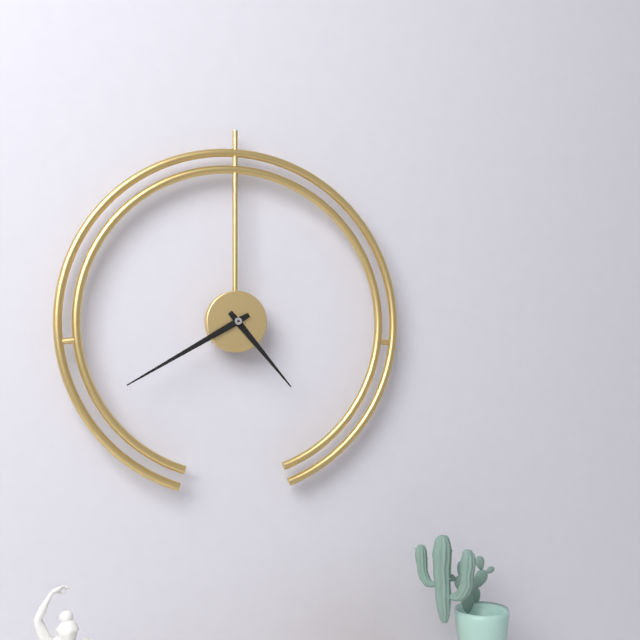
4:40
